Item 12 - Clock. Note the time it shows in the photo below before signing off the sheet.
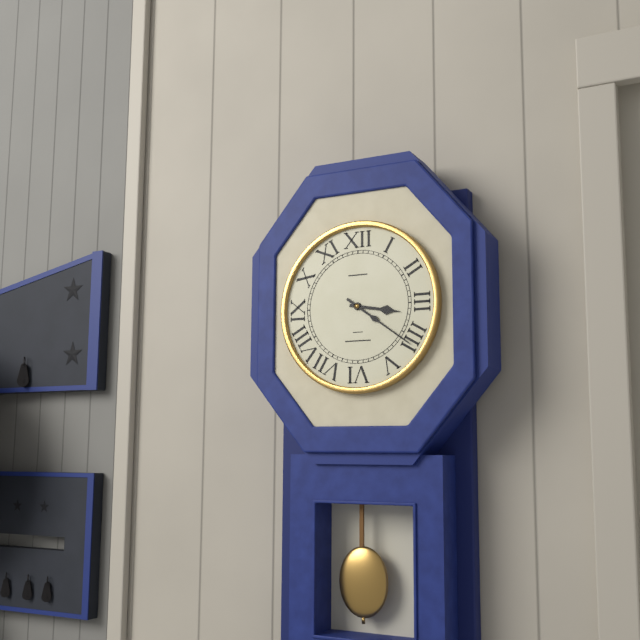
3:21
